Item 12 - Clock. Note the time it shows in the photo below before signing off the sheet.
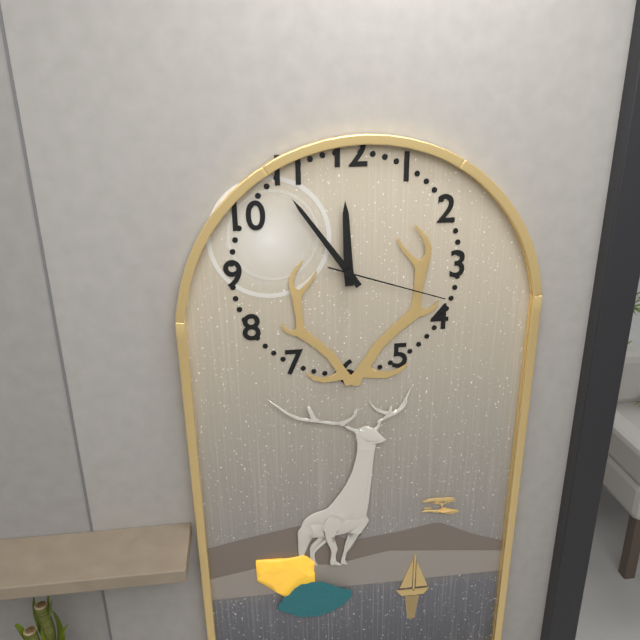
11:54:18
